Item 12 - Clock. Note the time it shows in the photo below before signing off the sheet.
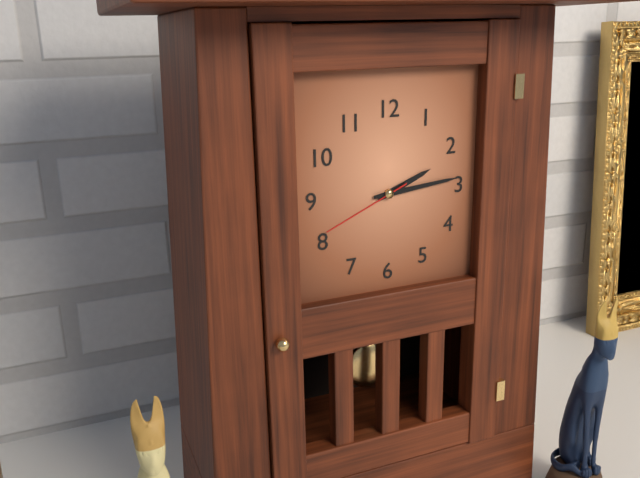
2:14:41
